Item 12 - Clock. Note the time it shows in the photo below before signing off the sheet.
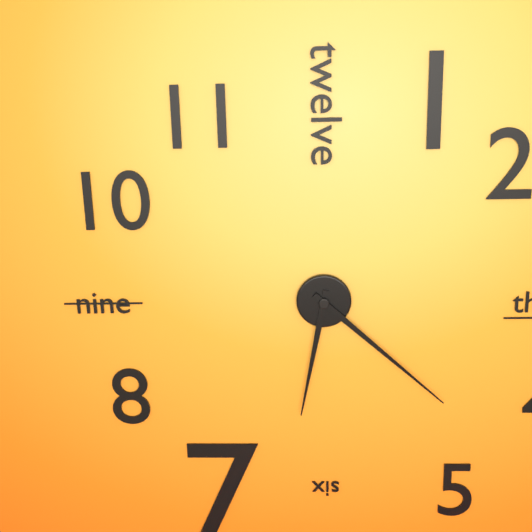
6:22
